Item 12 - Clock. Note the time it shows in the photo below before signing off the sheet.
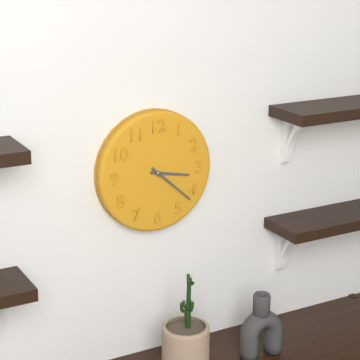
3:22
